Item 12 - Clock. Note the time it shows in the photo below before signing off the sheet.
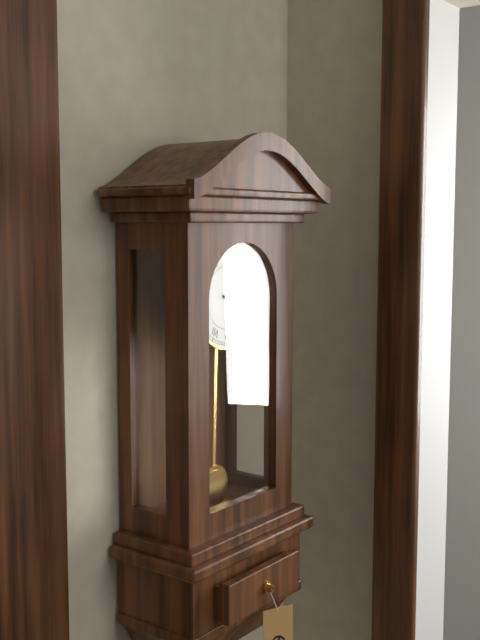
3:17
